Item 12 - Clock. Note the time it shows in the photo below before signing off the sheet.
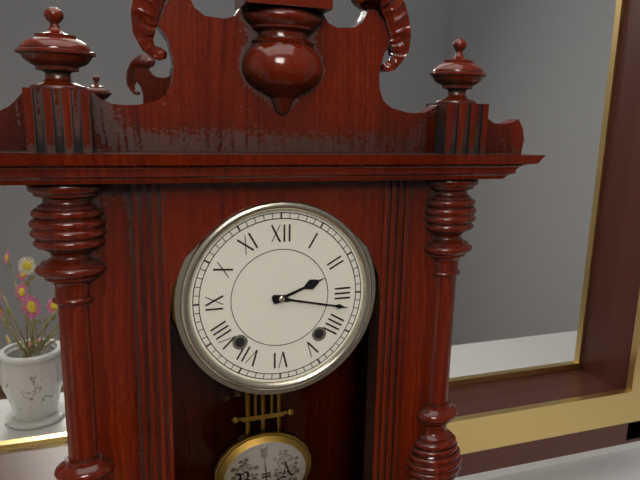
2:17
